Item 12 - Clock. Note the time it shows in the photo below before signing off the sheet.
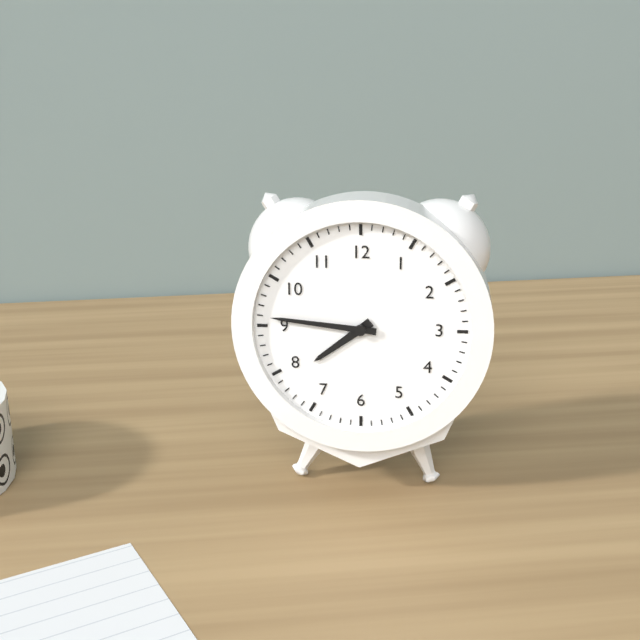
7:46
